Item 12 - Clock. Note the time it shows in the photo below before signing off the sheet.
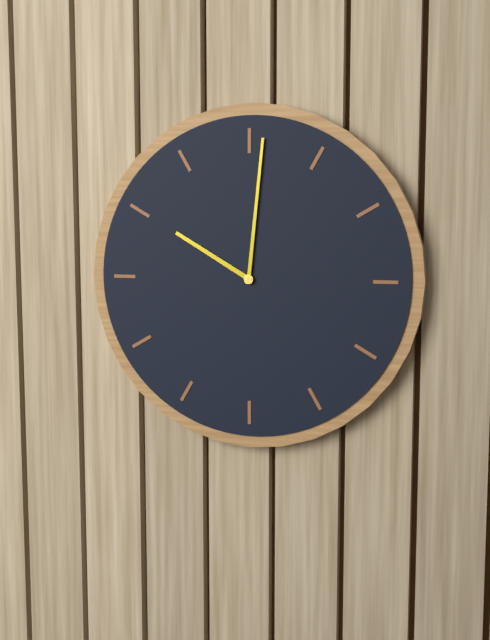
10:01
